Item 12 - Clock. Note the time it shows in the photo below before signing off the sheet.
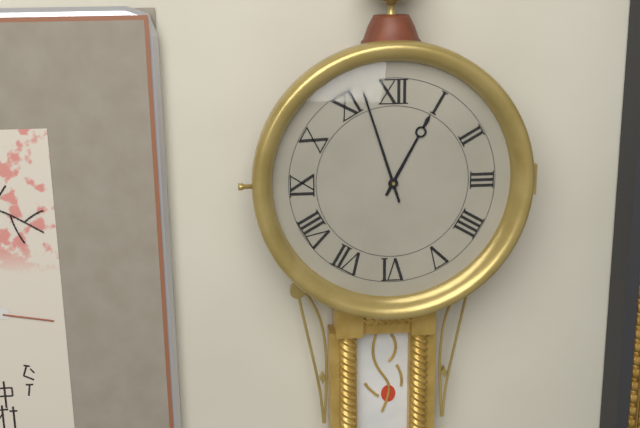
12:57
